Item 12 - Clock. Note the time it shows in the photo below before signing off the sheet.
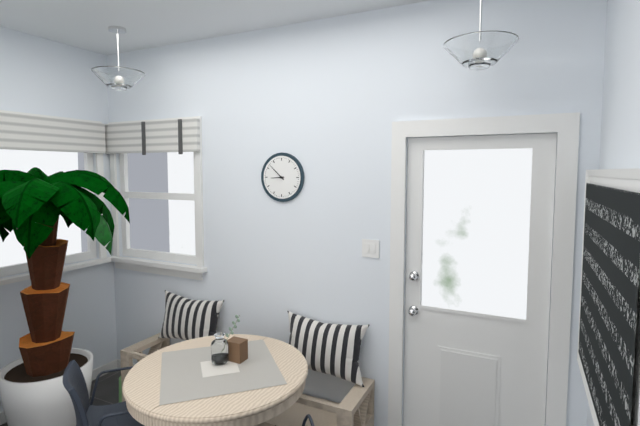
8:52
